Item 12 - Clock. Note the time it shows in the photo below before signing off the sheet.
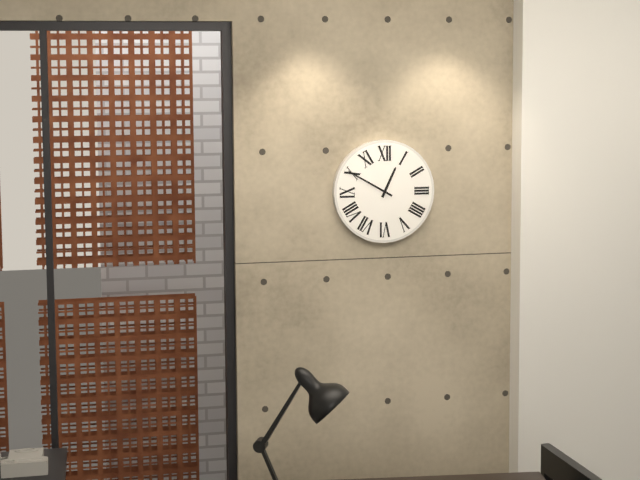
12:50
